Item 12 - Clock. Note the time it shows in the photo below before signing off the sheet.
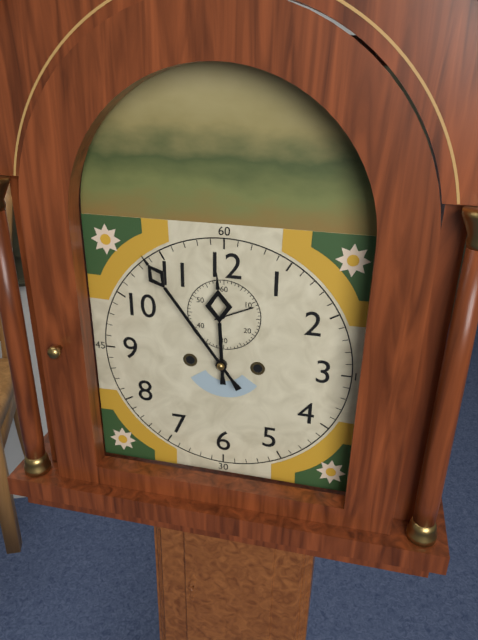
11:54
